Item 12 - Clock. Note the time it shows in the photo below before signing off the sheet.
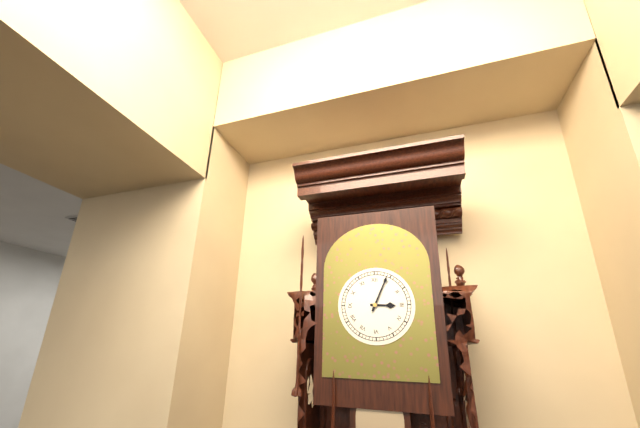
3:04
